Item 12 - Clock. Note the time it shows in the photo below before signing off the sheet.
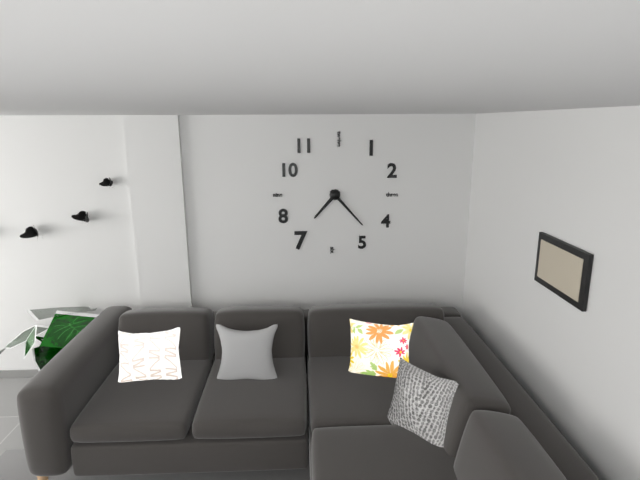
7:23
